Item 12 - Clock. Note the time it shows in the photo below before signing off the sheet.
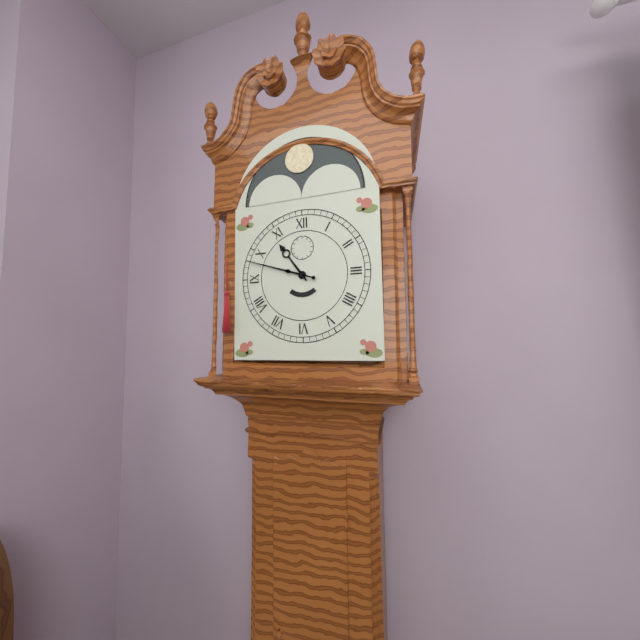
10:48
